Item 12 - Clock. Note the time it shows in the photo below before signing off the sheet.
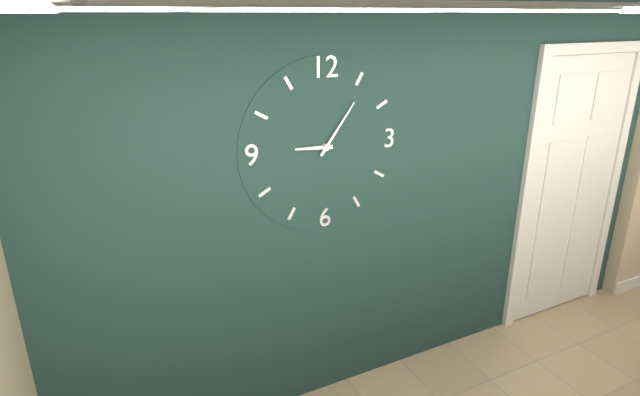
9:06
